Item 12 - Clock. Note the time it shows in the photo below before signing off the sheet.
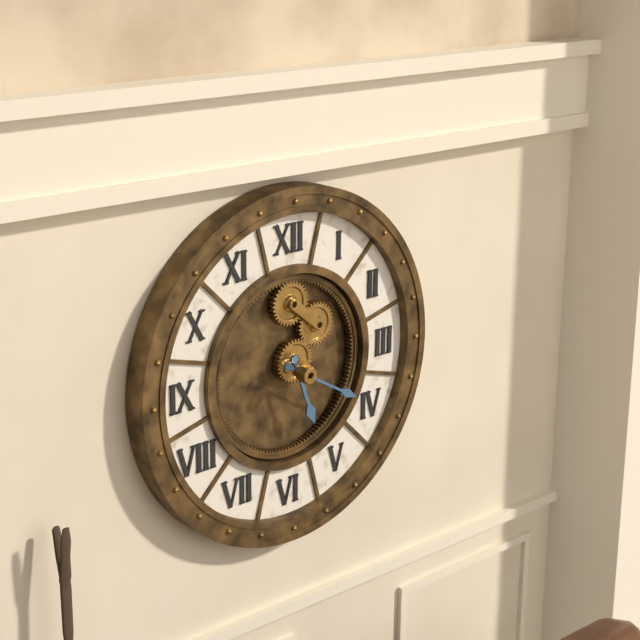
5:20
